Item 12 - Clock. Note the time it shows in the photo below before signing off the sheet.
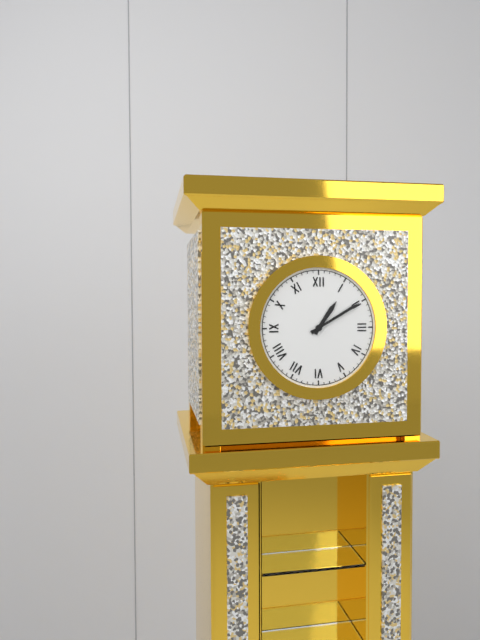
1:10
